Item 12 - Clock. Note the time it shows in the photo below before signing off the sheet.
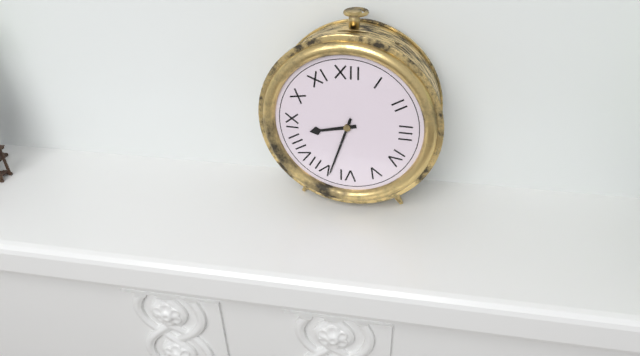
8:33
